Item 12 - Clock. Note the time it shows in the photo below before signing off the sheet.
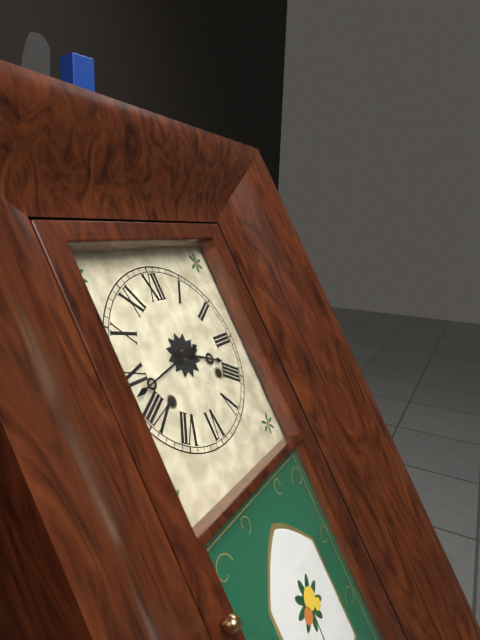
3:43
